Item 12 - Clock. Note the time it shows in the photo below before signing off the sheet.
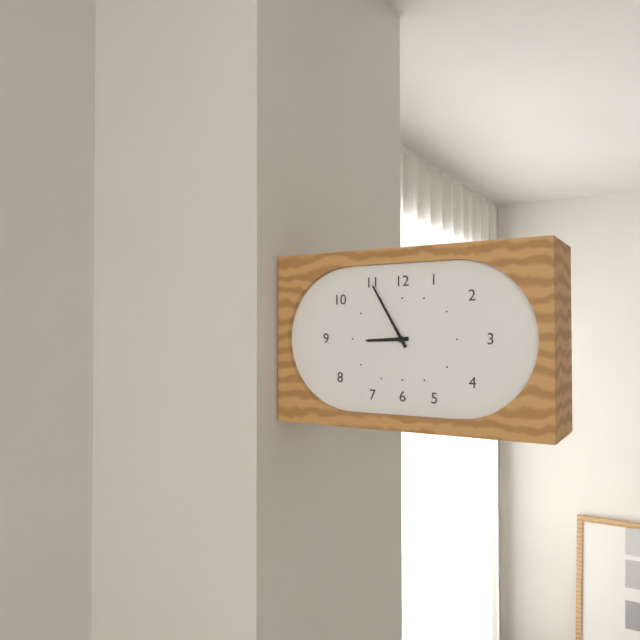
8:55
